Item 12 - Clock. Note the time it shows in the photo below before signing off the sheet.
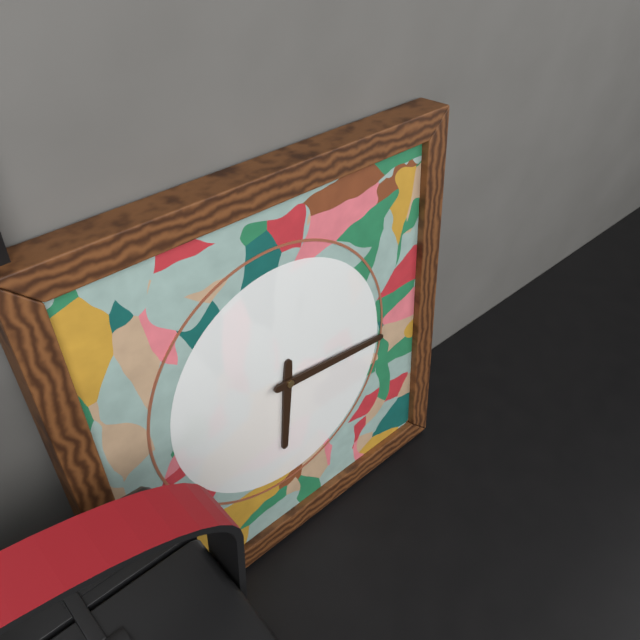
6:16
